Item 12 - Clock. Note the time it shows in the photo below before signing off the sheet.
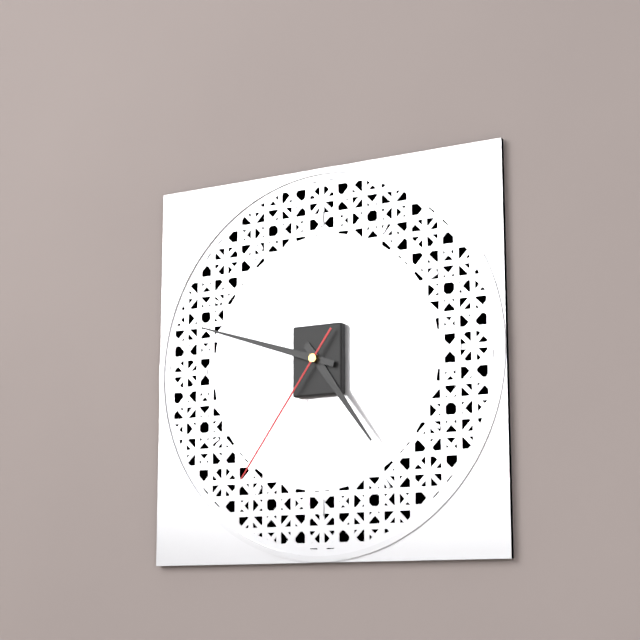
4:48:36
